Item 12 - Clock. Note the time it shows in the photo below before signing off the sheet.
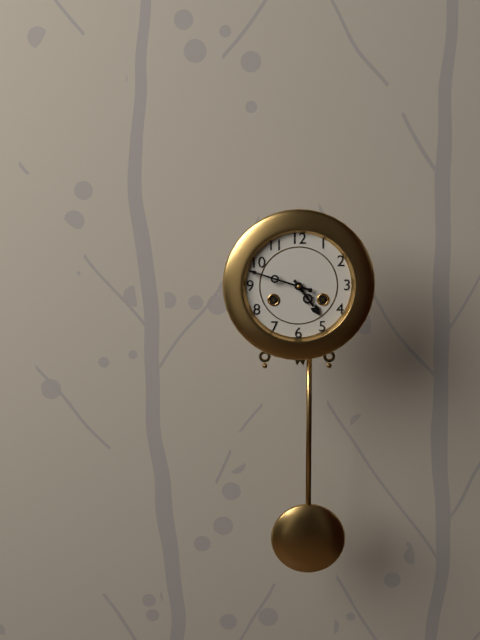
4:48
